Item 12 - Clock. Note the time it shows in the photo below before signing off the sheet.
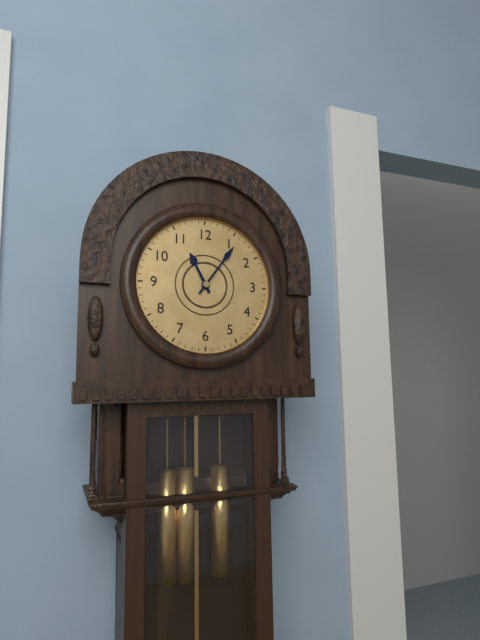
11:06
